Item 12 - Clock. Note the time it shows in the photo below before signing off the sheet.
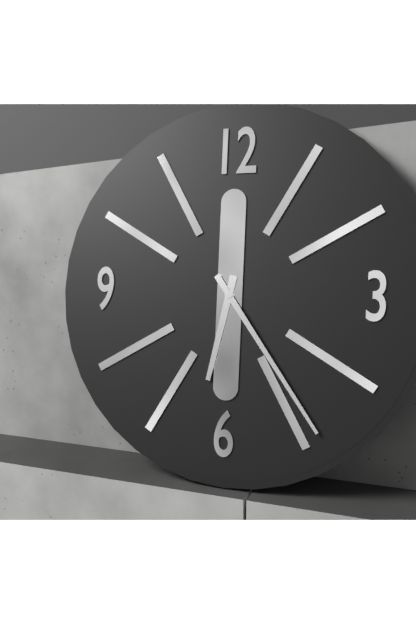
6:24
